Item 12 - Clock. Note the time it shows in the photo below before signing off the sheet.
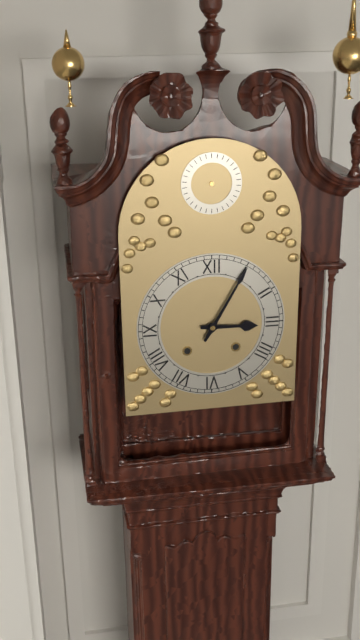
3:05
